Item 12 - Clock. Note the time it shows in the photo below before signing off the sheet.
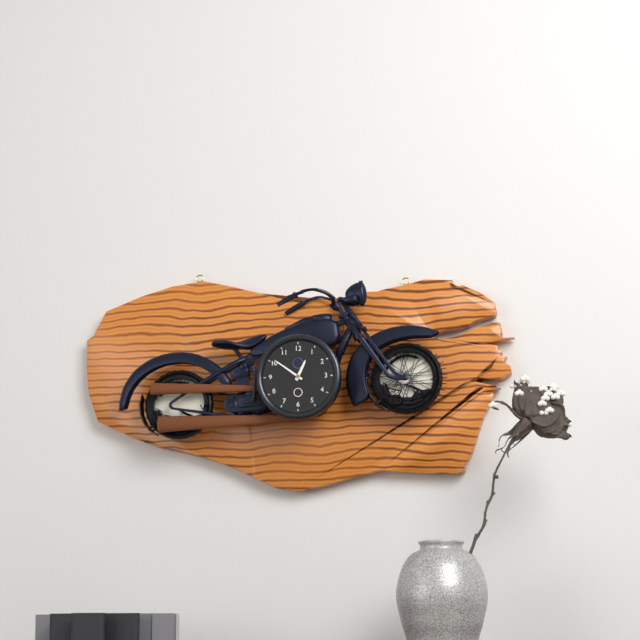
12:51
